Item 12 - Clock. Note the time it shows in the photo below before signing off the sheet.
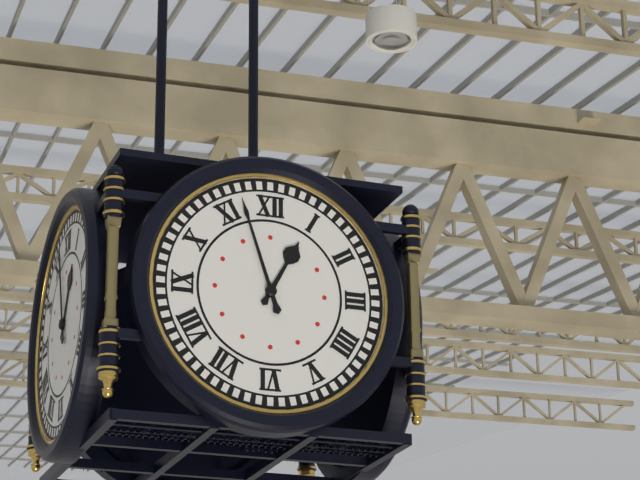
12:57
